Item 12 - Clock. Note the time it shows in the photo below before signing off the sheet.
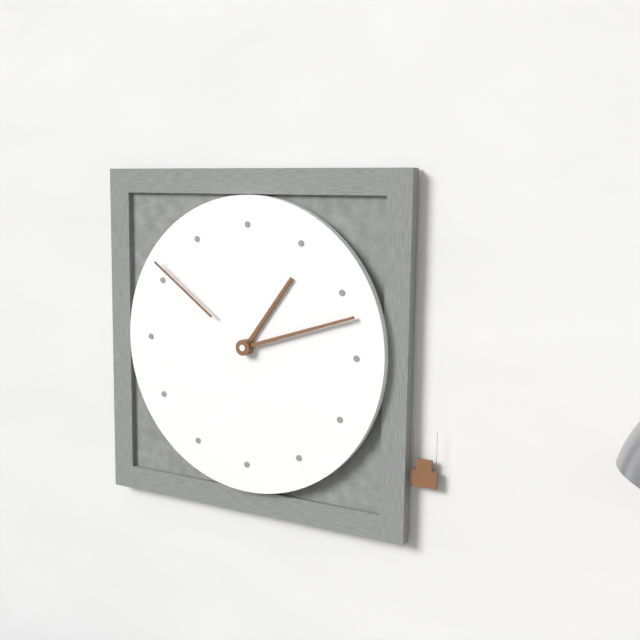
1:12:51
